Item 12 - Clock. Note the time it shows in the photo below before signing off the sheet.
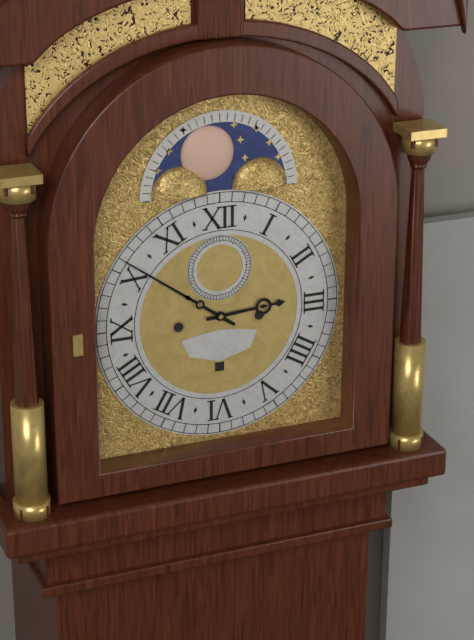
2:51
